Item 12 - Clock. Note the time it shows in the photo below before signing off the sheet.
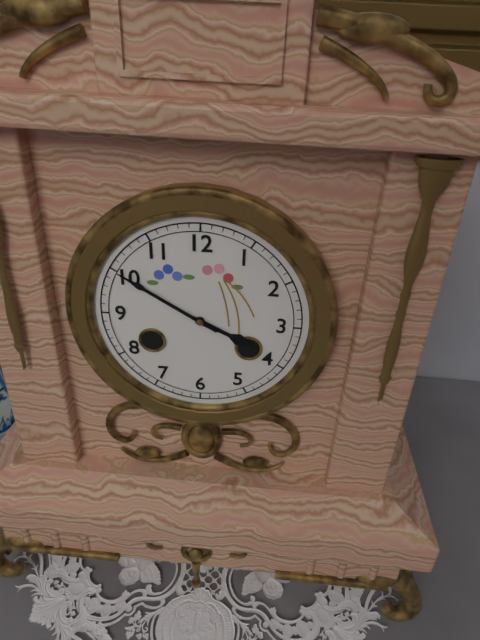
3:50
